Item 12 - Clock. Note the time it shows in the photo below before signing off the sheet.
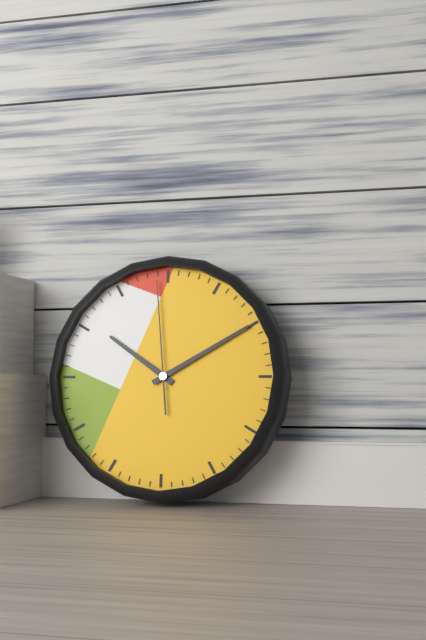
10:10:59
